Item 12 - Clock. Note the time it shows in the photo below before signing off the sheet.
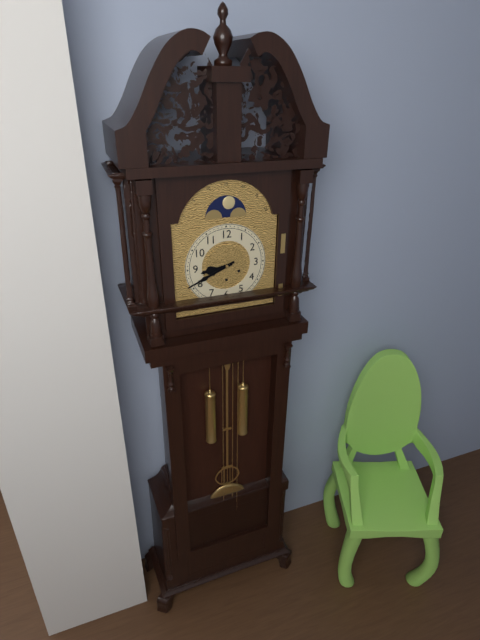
8:41
